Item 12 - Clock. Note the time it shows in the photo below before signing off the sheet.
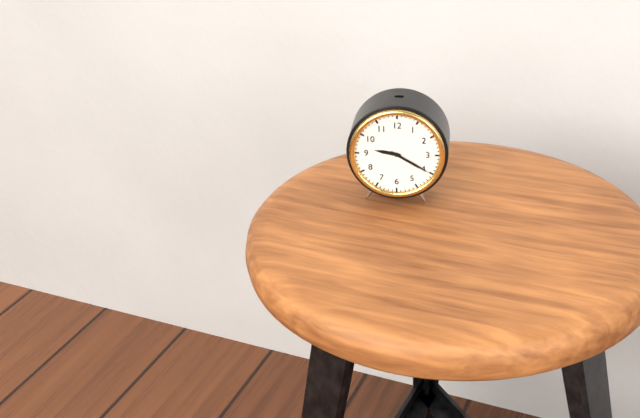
9:20
